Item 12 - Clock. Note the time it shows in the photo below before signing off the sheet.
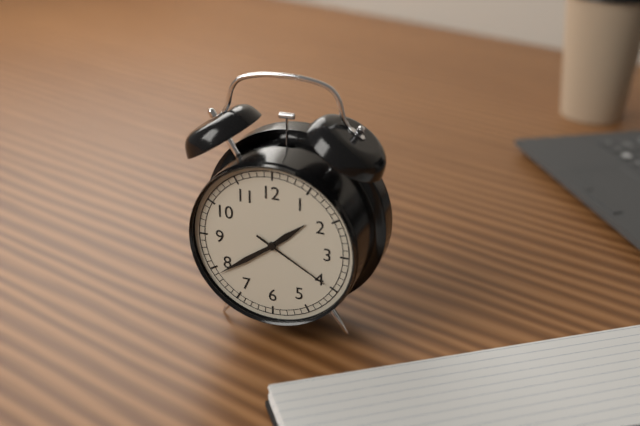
1:39:20
